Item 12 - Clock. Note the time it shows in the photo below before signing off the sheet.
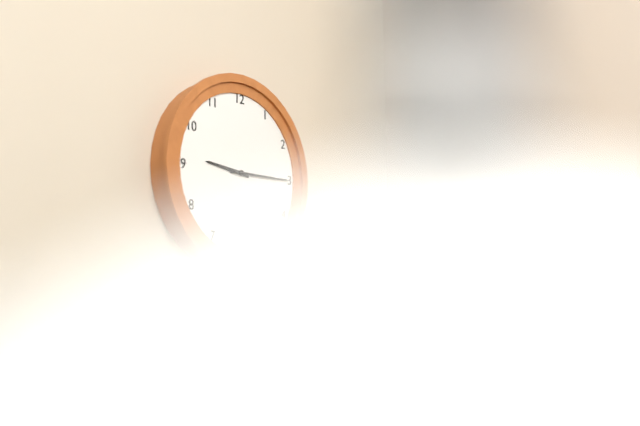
9:15
